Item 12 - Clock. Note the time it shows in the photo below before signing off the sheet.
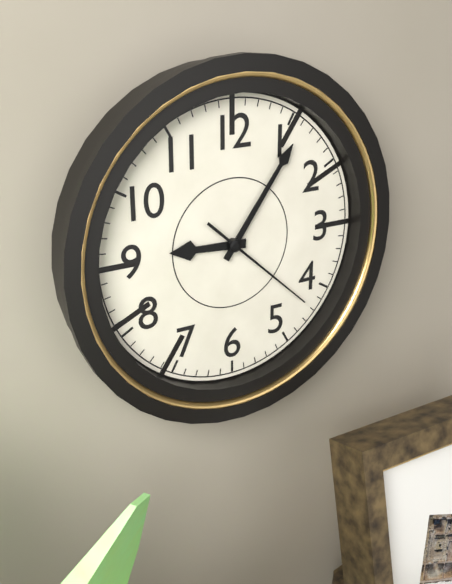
9:06:22
